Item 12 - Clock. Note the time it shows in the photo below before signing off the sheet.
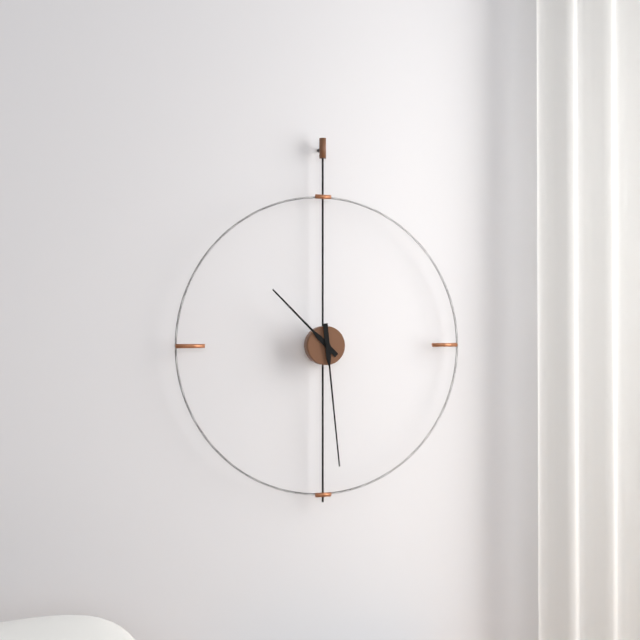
10:29
